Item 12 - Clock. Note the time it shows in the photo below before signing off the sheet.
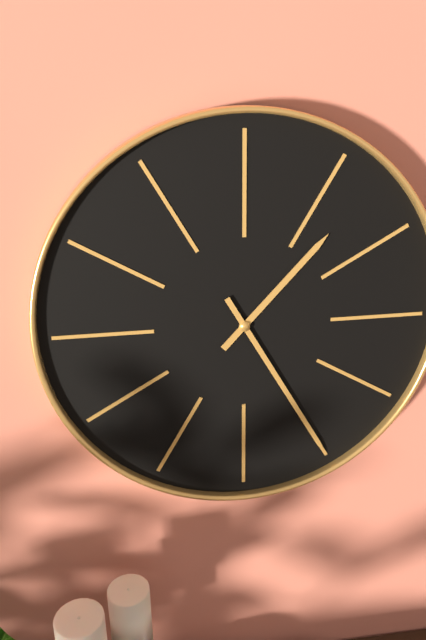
1:25
